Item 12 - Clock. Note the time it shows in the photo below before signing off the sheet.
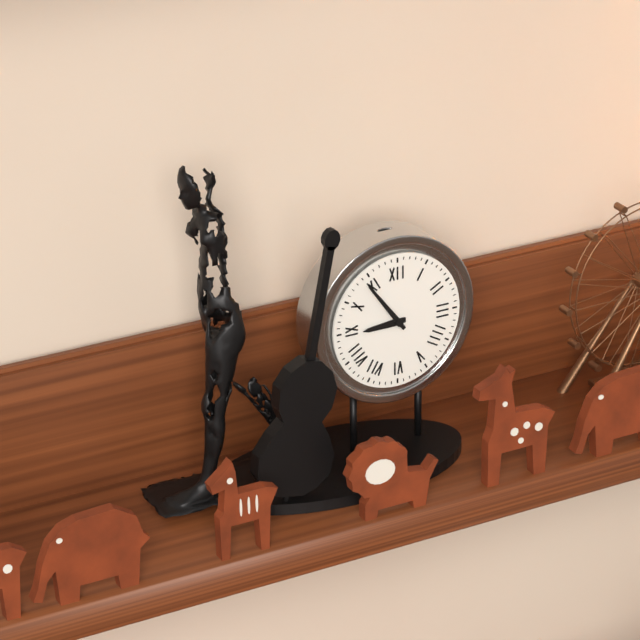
8:54
